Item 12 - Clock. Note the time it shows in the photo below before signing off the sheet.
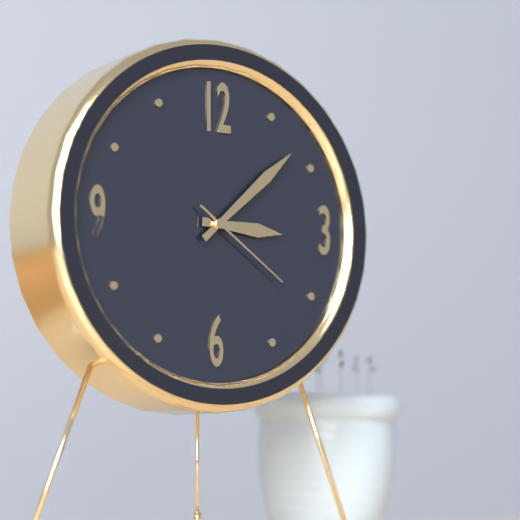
3:08:21
